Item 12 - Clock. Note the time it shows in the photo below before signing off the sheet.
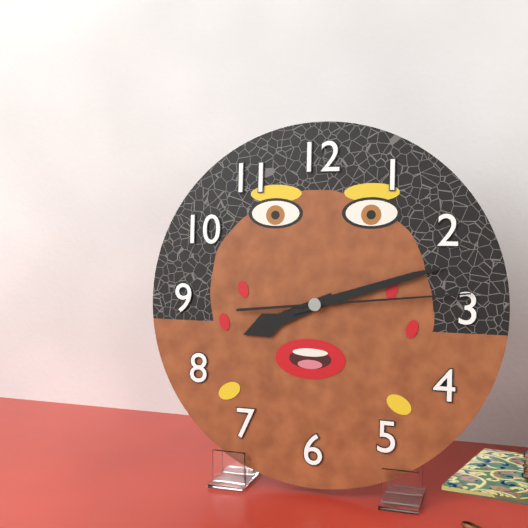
8:12:14
